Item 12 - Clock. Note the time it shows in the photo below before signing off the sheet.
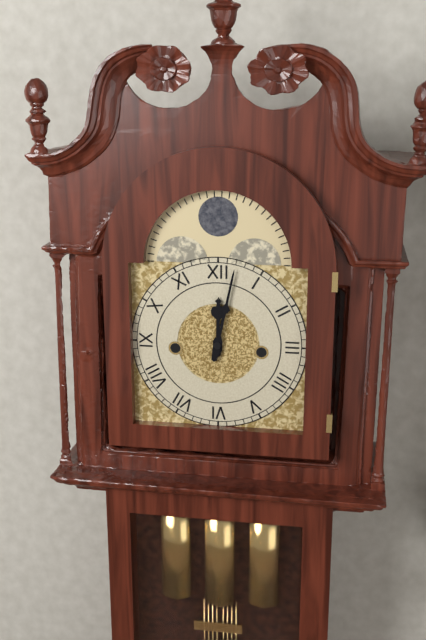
12:02
